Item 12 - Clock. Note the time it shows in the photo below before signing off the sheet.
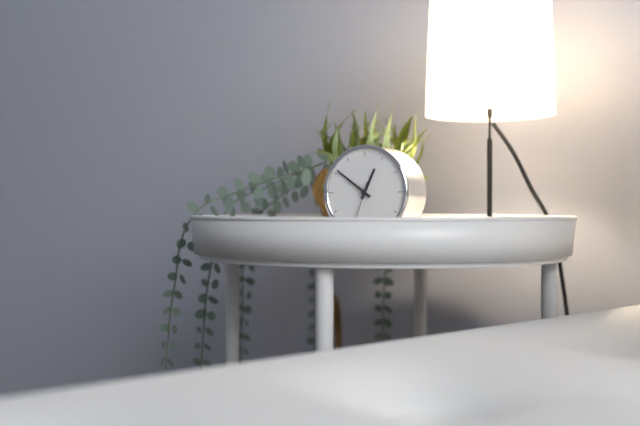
12:51
